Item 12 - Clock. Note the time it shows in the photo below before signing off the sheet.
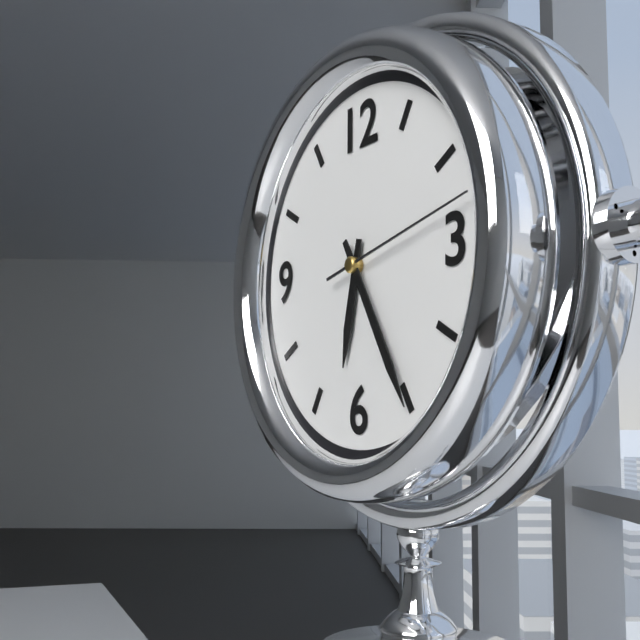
6:25:13
